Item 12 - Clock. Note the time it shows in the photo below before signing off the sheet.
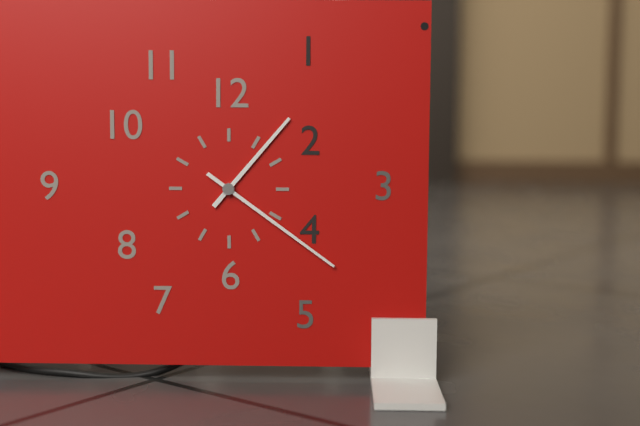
1:21
